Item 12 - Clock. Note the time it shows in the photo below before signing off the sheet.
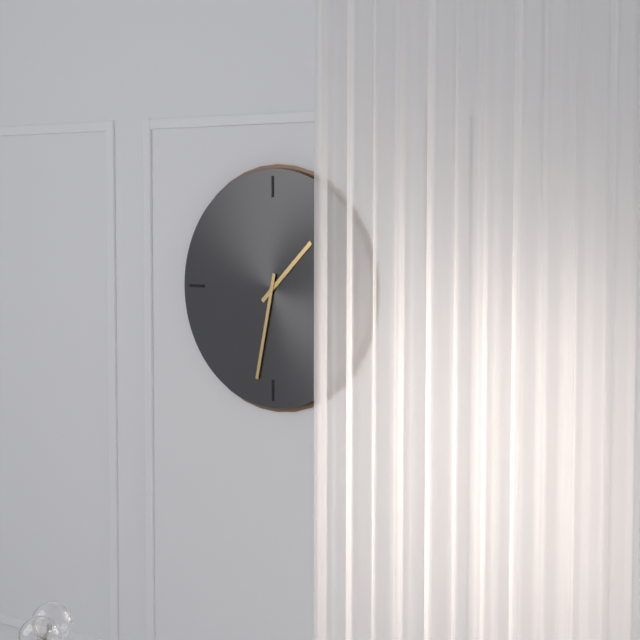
1:32
